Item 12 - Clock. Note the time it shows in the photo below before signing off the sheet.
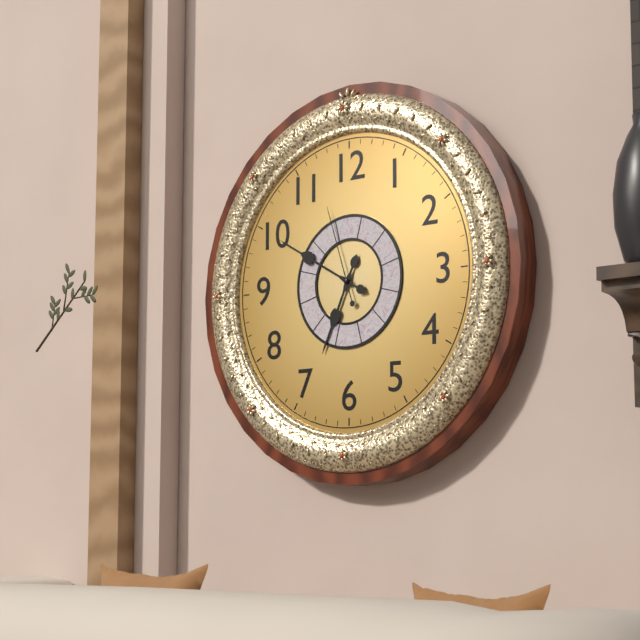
6:50:57
